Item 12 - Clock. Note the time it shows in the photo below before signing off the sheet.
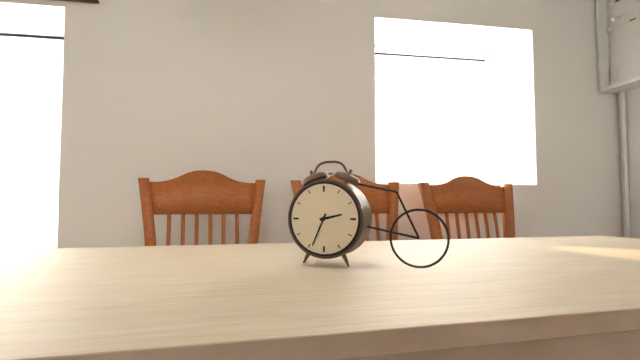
2:34
